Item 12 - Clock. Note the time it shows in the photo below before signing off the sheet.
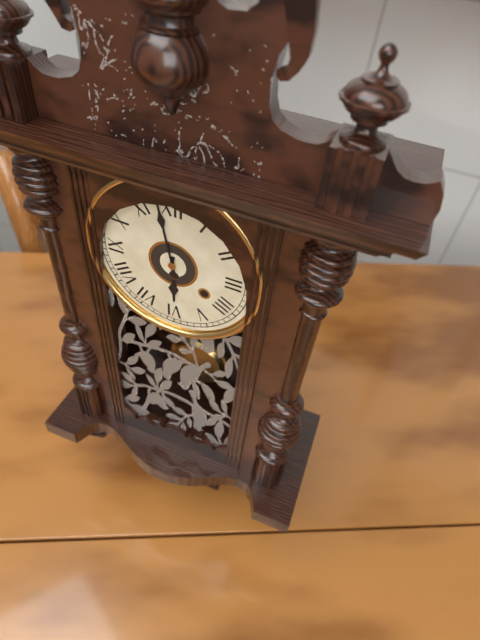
5:58
